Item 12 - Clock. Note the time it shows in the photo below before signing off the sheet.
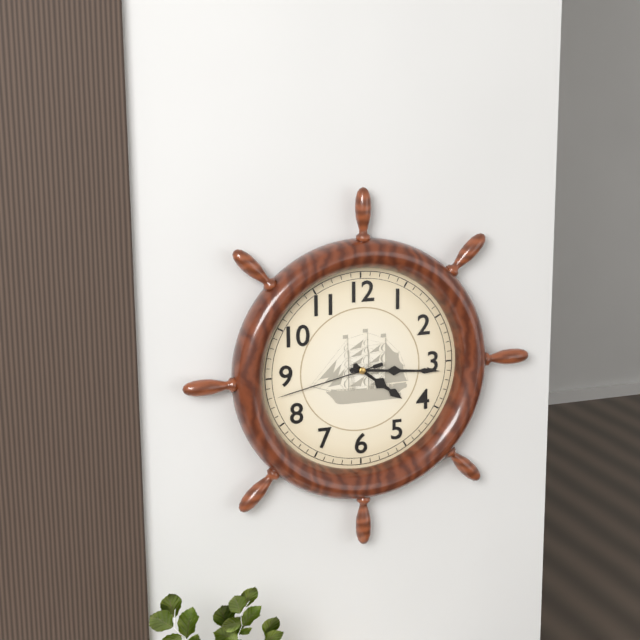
4:16:43
